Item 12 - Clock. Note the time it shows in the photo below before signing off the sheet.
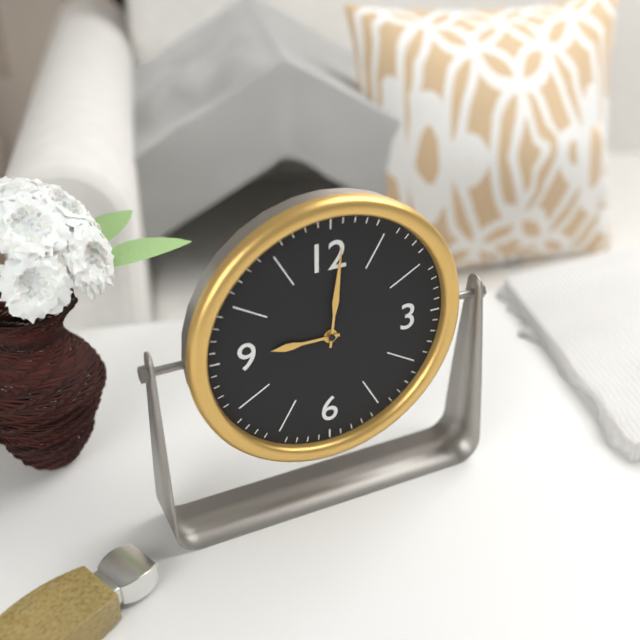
9:01
